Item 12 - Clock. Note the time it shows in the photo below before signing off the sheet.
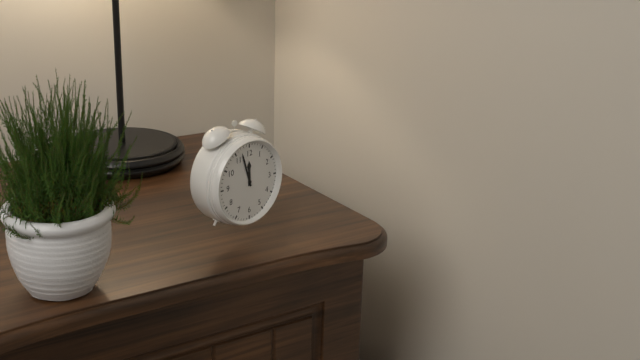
11:57
